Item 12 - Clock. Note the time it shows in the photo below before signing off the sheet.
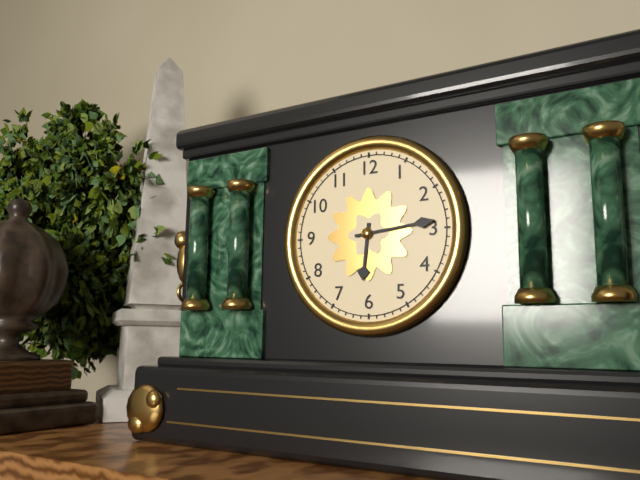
6:14
